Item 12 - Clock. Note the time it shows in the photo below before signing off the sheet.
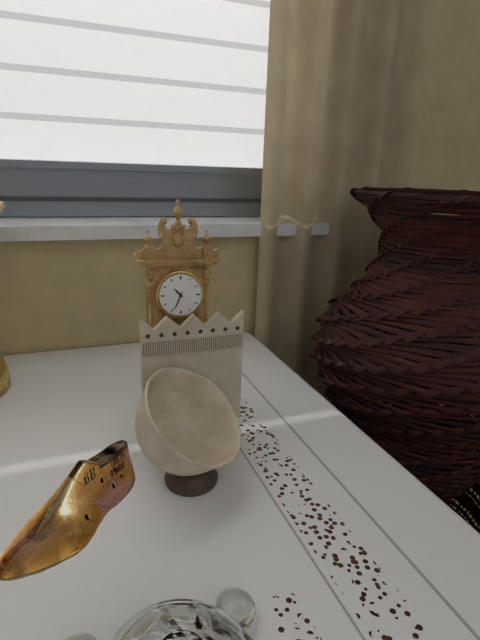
10:34
